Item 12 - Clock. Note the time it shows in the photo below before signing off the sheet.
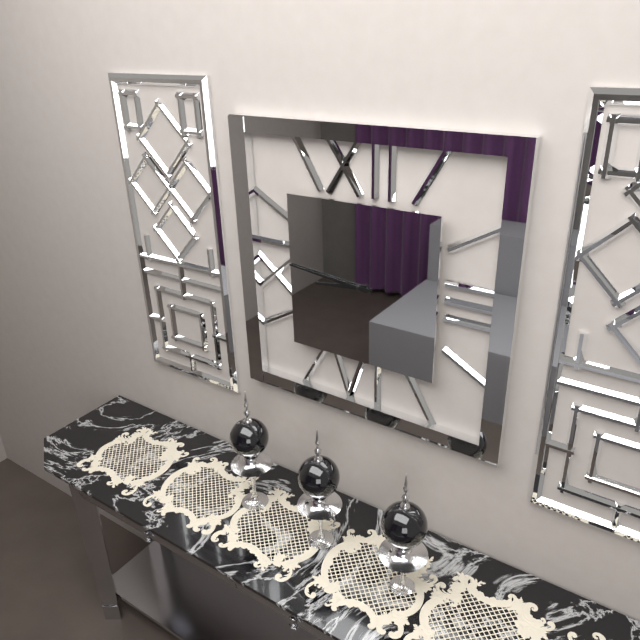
8:46
